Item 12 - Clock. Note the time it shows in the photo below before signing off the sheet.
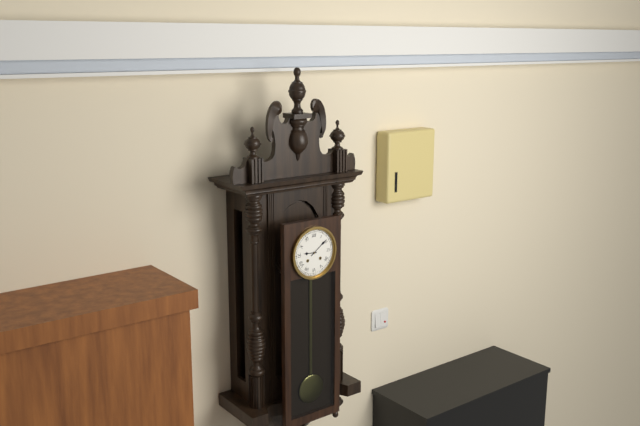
9:09
